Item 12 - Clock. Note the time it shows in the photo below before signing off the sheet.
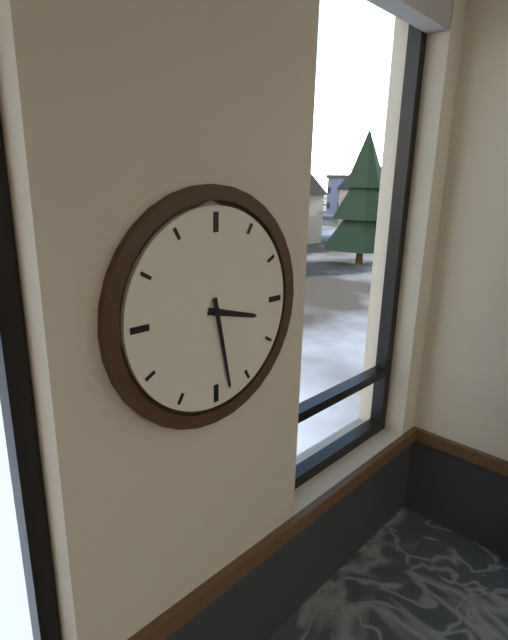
3:28
